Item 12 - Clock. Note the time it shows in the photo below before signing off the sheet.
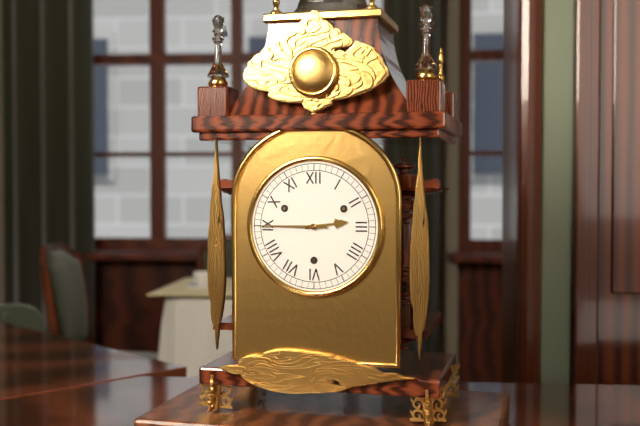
2:45
